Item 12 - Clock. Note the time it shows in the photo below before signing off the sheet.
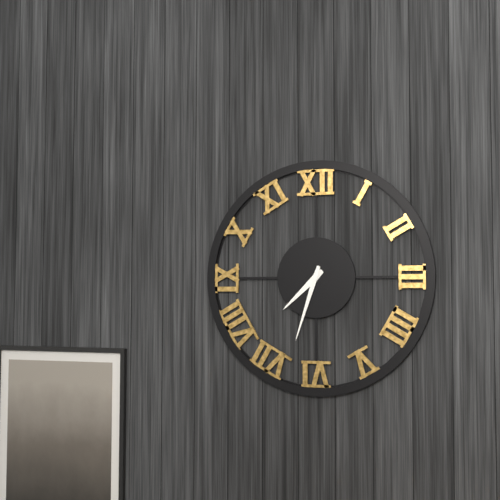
7:33
